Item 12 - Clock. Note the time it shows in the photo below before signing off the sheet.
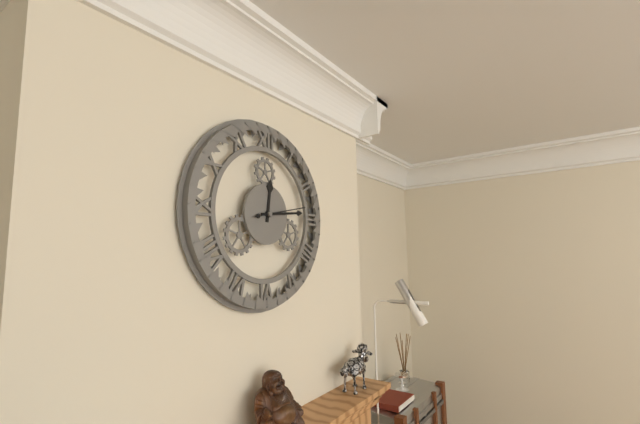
12:14:13
